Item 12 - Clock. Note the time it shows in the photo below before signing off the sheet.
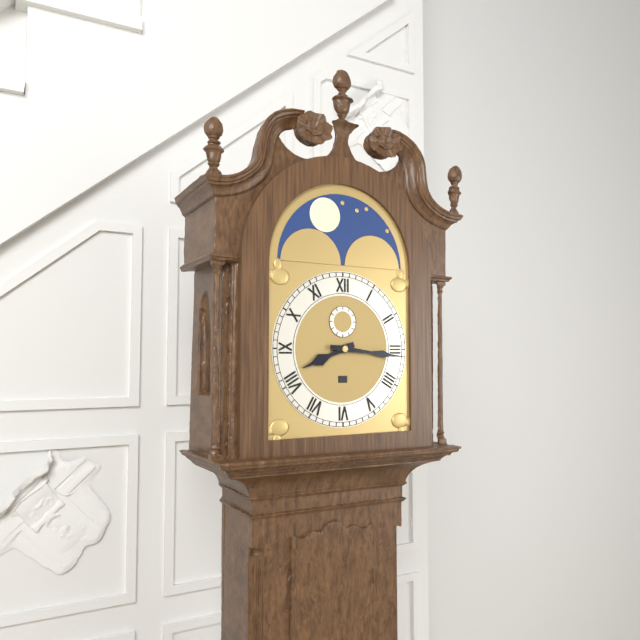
8:16
